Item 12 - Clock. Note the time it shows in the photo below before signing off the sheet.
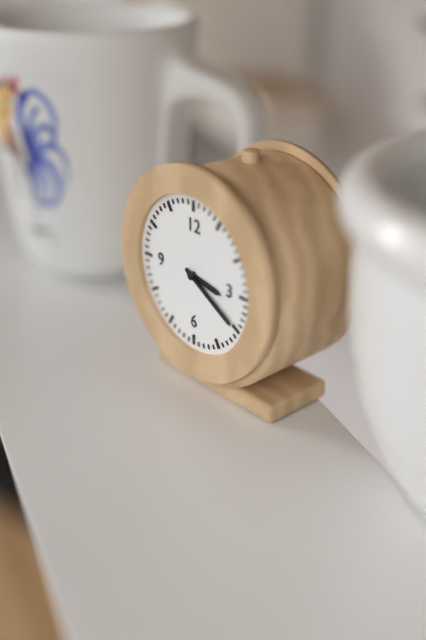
3:20
